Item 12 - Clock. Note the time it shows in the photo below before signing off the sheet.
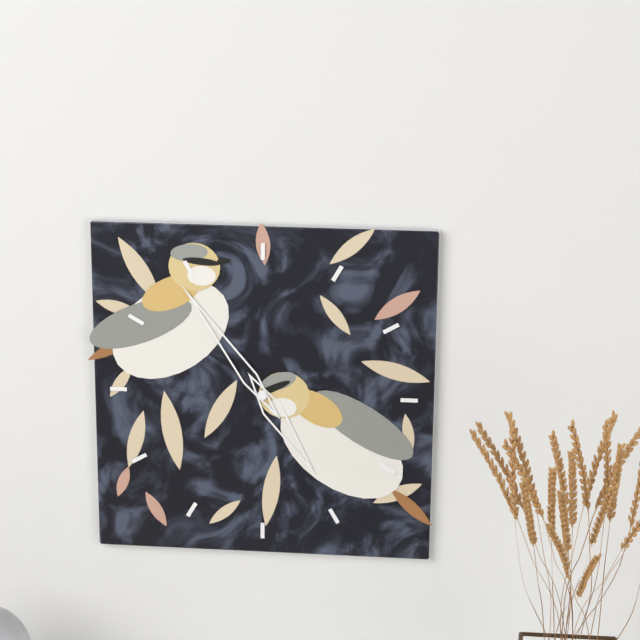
4:54
